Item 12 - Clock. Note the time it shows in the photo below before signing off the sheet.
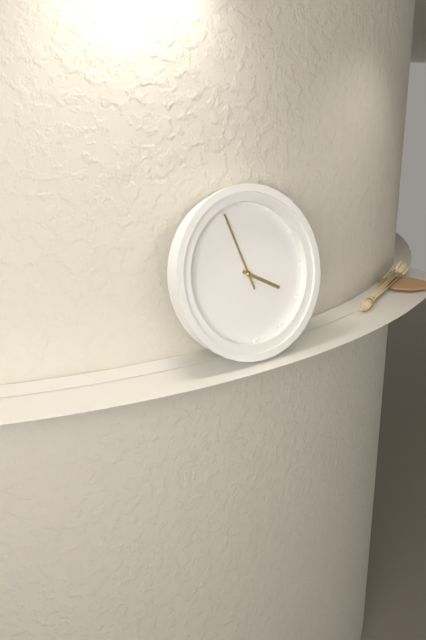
3:57
